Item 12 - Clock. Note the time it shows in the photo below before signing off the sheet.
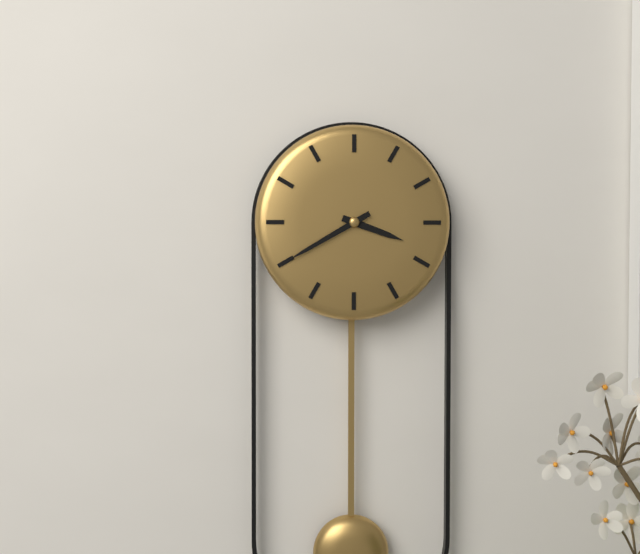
3:40
